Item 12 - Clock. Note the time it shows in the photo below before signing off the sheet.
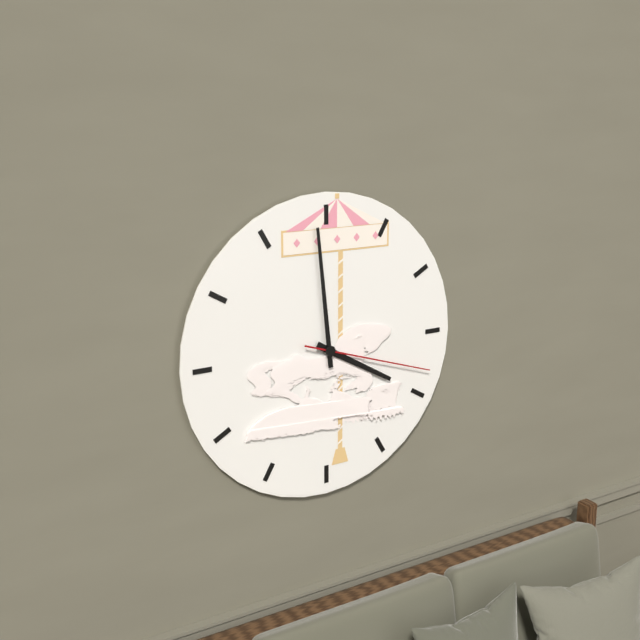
3:59:18
